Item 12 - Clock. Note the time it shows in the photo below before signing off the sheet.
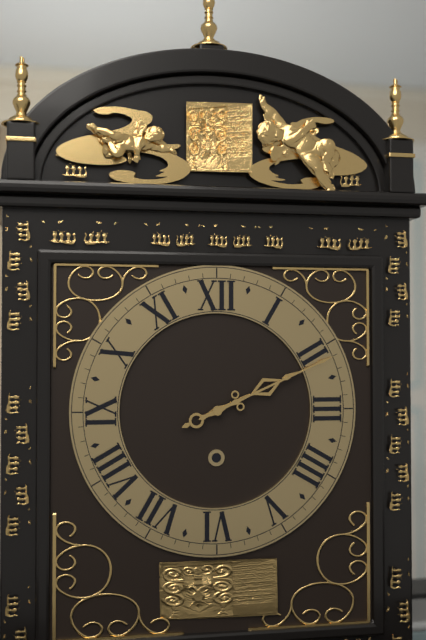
2:11
